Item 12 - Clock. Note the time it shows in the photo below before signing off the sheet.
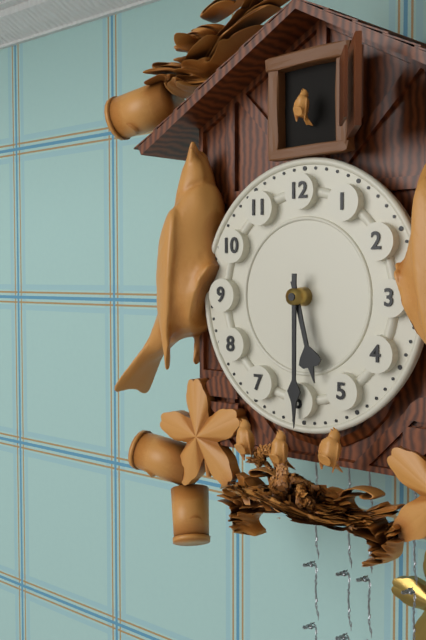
5:30
